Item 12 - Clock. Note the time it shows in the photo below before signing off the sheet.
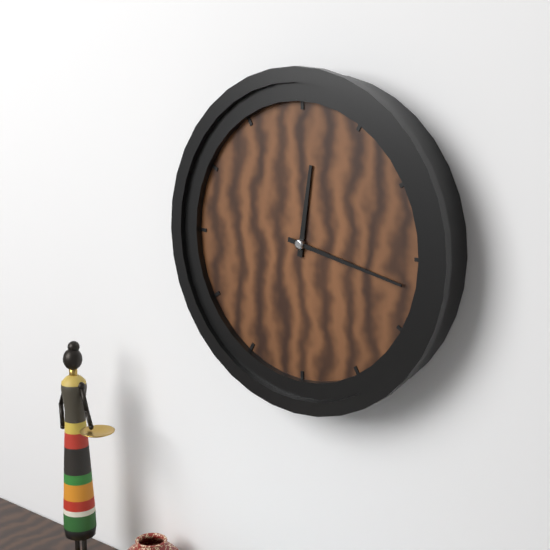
12:17
